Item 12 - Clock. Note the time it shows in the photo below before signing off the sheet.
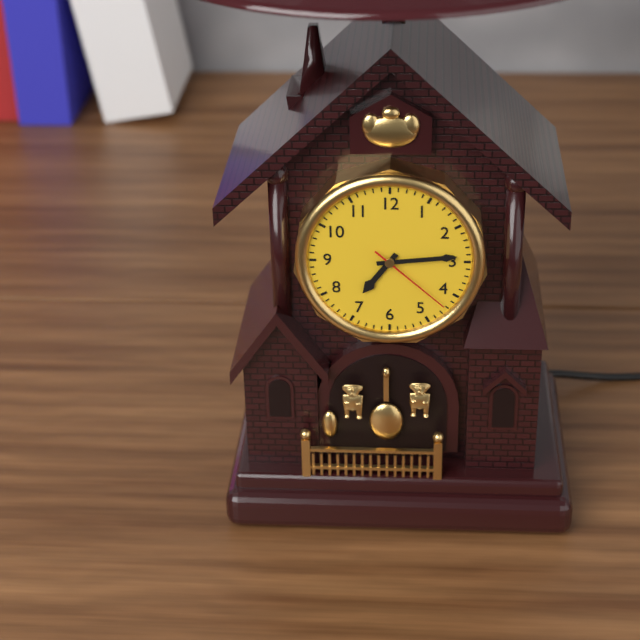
7:14:22
